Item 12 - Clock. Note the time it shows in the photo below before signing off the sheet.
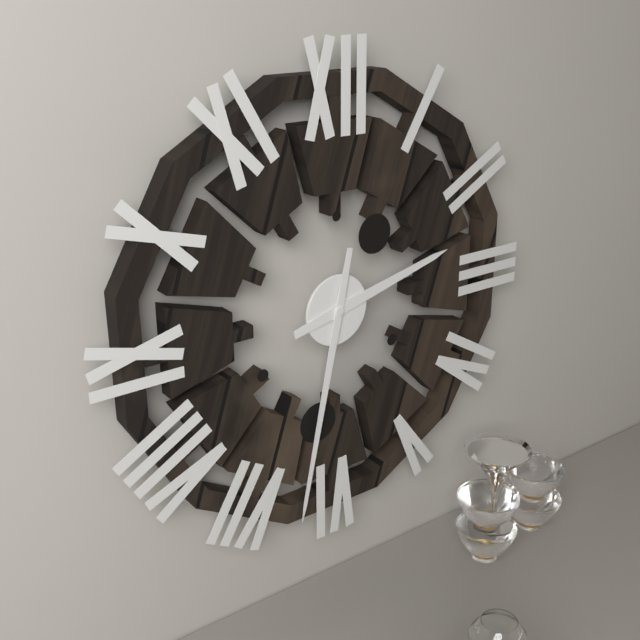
2:32
